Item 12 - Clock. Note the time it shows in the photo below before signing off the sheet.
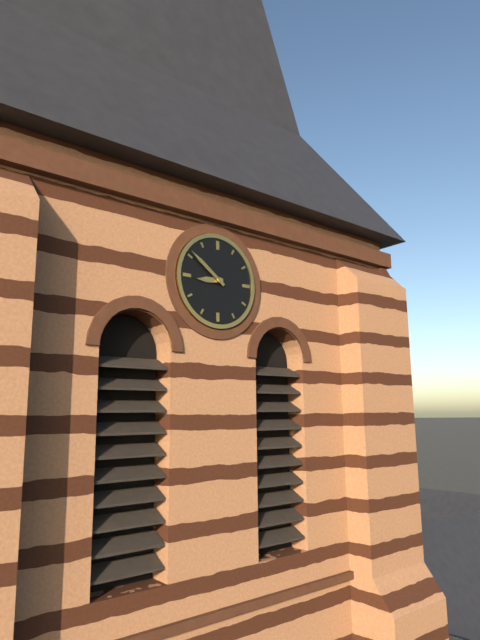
8:51
